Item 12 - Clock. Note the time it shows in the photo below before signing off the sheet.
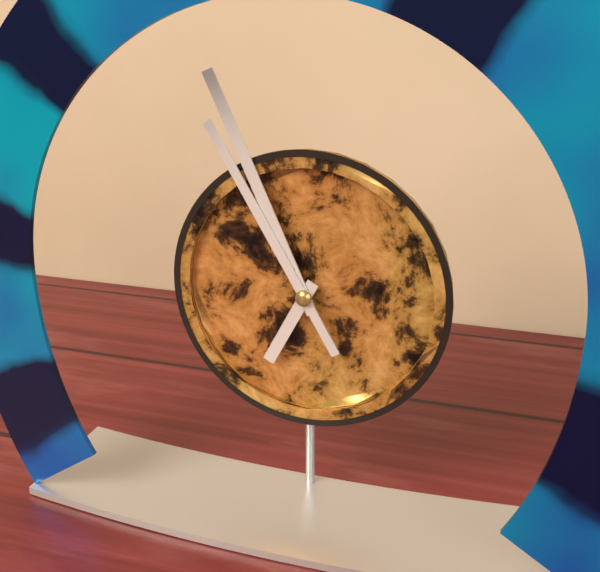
6:56:55
